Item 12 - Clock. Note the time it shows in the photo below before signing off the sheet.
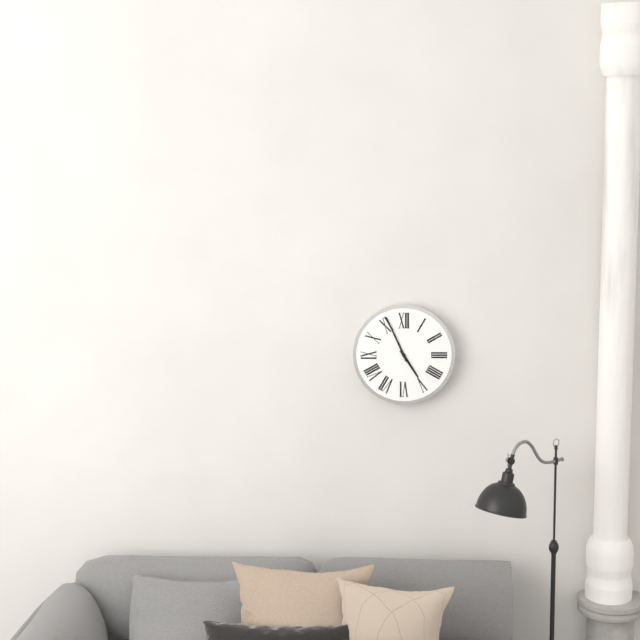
4:56
